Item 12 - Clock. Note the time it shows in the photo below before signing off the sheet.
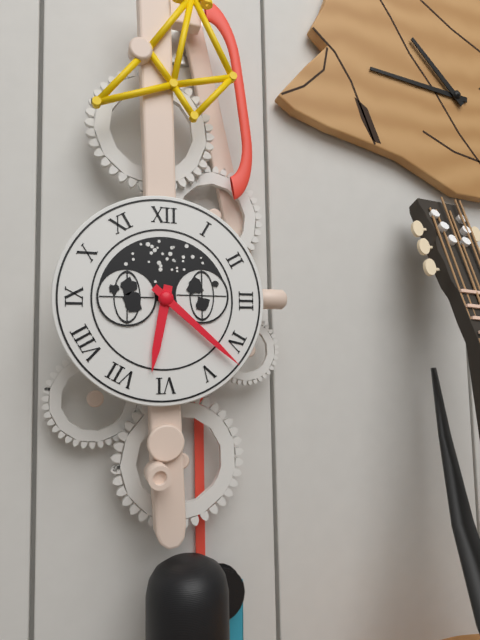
6:22
